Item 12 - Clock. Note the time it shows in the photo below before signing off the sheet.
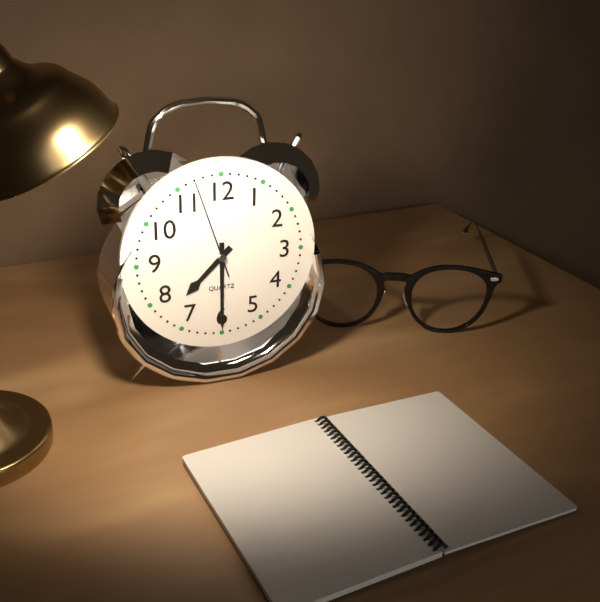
7:30:57
